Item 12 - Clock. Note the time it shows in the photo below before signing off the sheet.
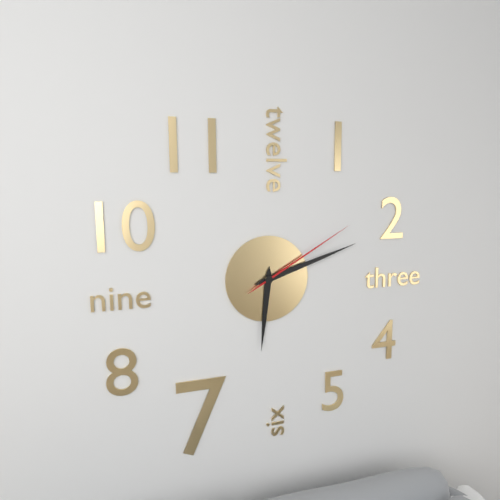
6:12:10
